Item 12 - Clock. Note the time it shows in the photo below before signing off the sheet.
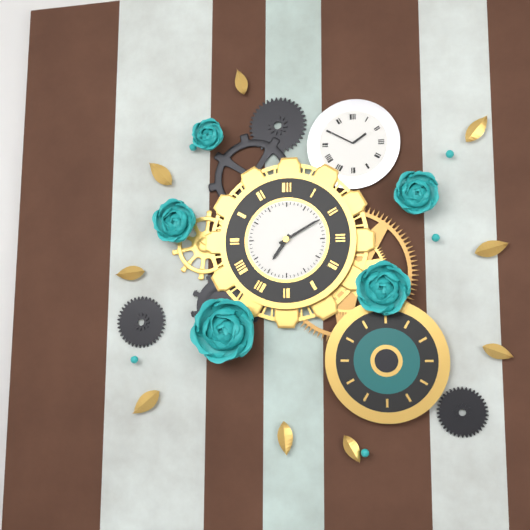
7:10
